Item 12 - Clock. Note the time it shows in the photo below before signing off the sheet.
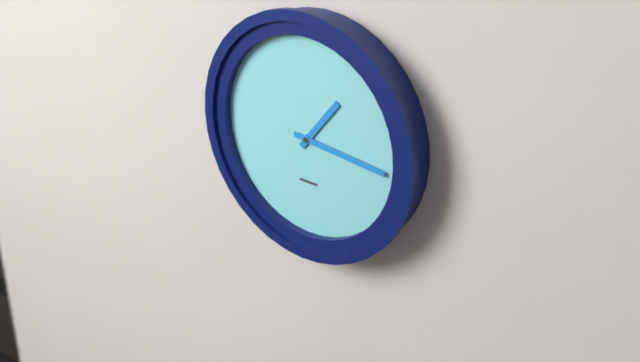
1:16
